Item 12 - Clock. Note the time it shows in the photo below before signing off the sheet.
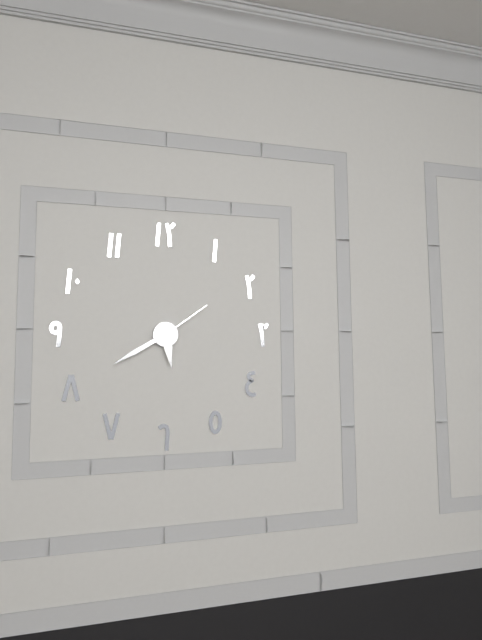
5:40:09
